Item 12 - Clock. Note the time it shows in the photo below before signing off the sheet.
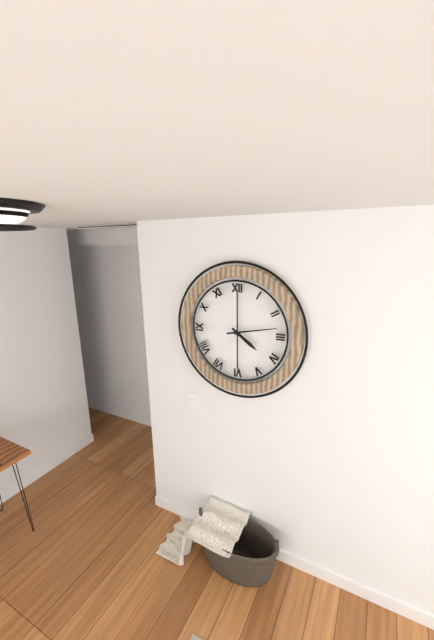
4:13
